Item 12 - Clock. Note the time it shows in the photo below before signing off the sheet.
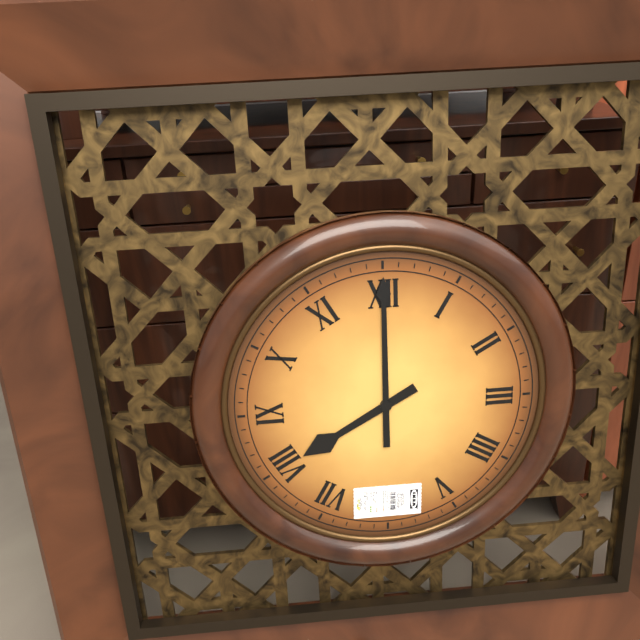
8:00
